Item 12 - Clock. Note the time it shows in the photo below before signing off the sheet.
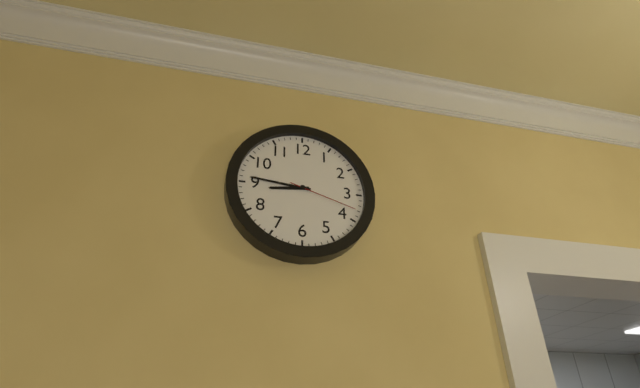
8:46:18
